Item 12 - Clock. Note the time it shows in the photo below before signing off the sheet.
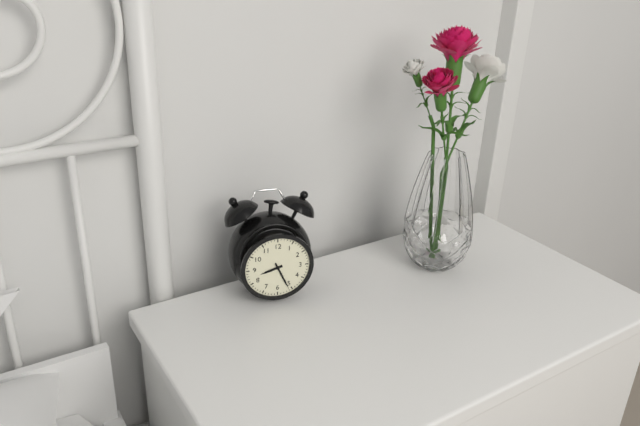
8:26
